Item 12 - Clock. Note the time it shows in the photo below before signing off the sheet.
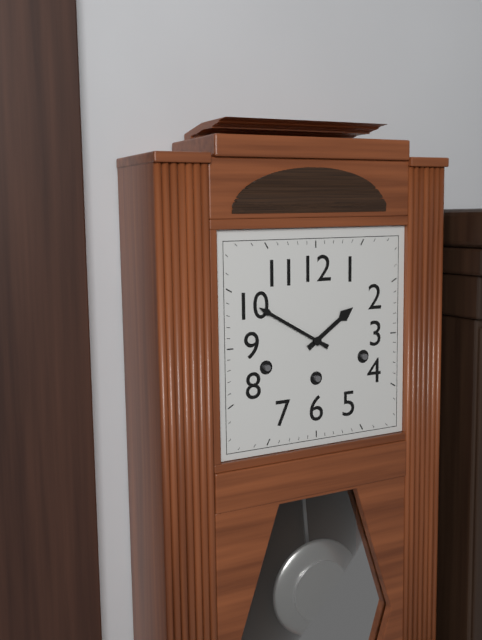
1:50
